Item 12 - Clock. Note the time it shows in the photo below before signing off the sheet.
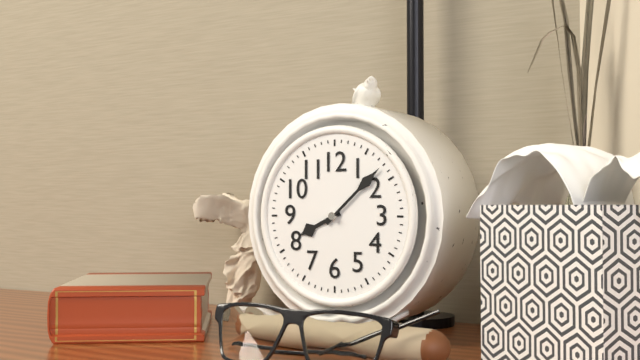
8:08
